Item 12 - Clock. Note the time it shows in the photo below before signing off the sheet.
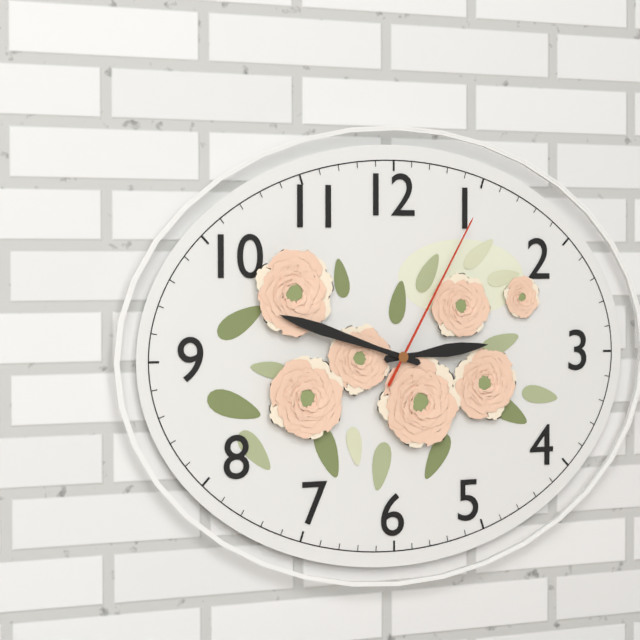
2:48:05
